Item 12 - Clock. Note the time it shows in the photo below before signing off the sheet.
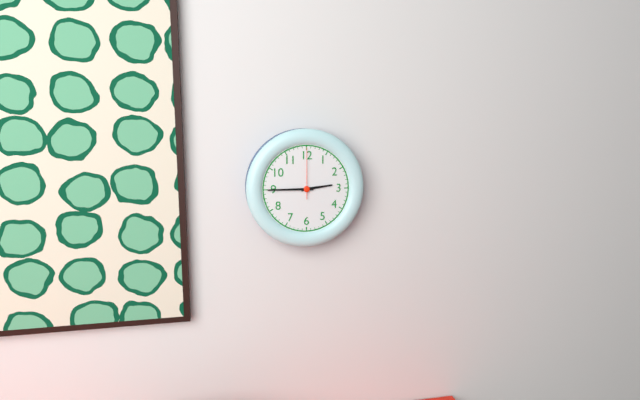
2:45
